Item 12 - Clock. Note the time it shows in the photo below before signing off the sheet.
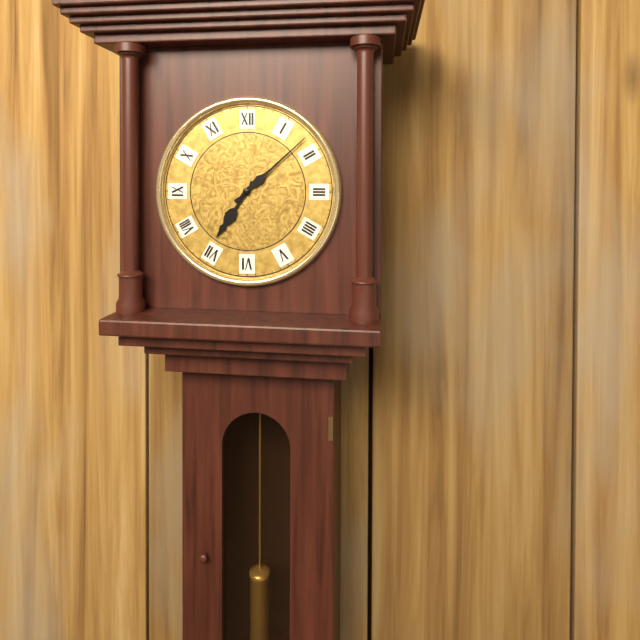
7:08
